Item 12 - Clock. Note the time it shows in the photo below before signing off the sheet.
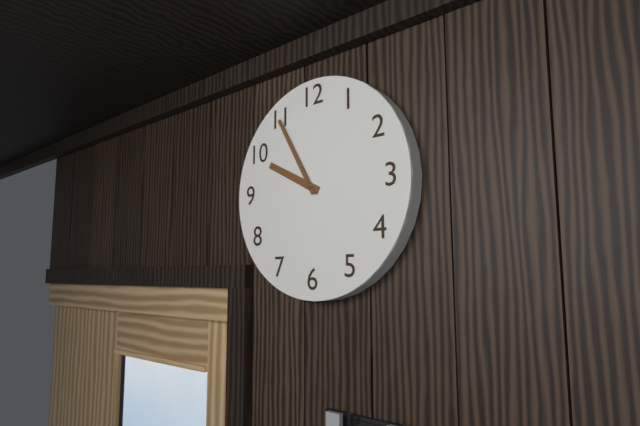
9:55
